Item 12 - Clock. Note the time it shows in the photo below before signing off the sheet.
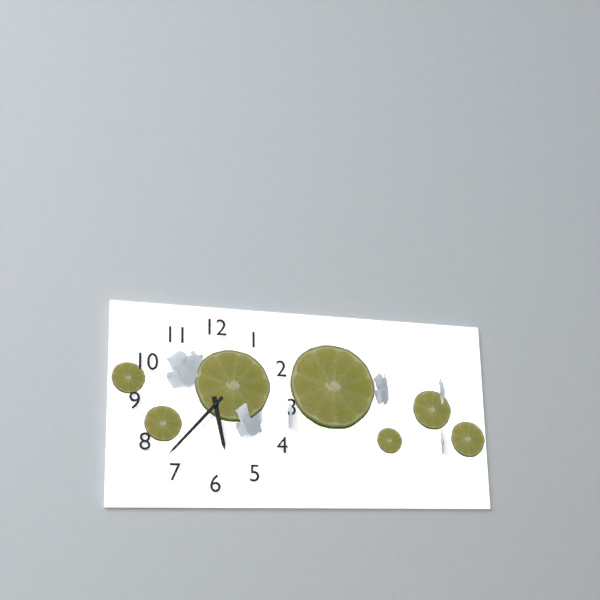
5:37
